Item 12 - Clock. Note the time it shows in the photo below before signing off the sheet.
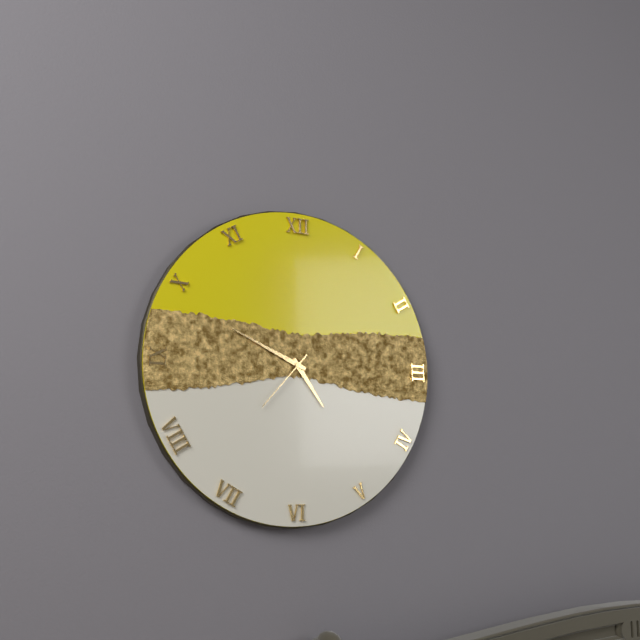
4:49:37
